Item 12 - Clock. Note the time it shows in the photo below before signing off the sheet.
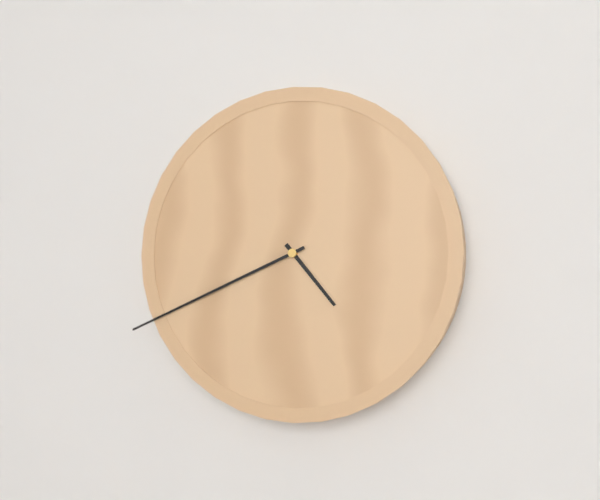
4:41
